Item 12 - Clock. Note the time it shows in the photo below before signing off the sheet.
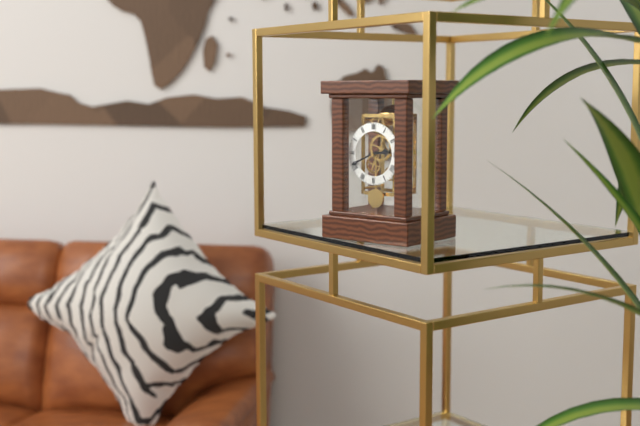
2:41
